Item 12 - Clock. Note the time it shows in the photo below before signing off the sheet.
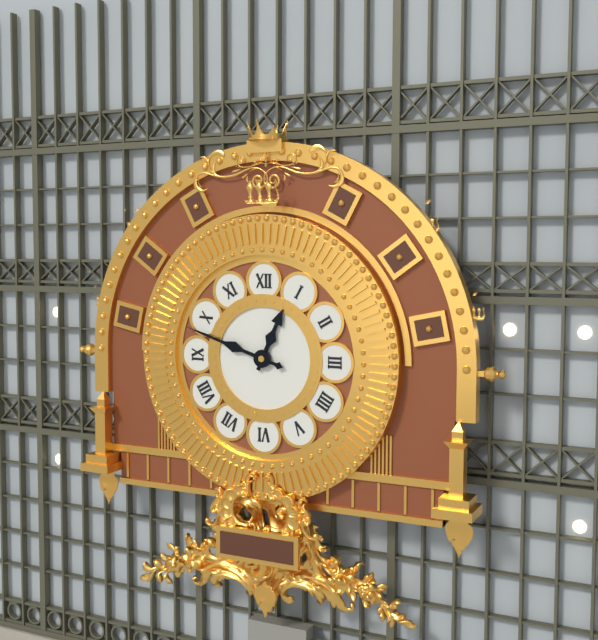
12:48
